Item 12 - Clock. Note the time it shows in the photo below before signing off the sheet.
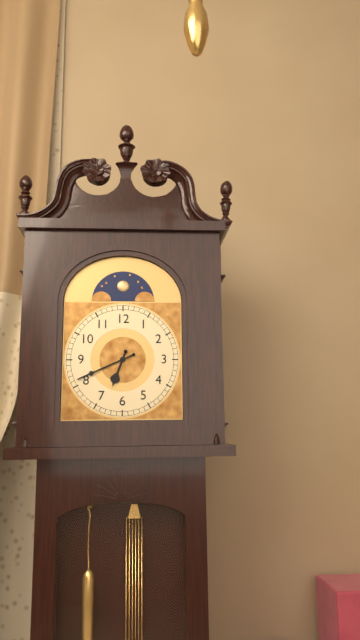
6:41
